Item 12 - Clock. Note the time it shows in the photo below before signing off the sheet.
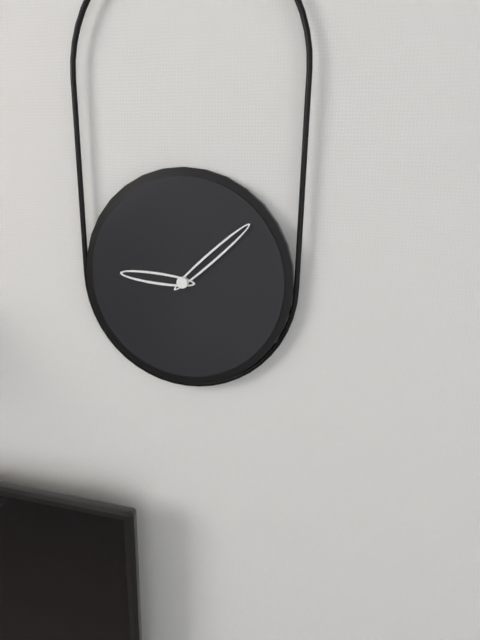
9:08
